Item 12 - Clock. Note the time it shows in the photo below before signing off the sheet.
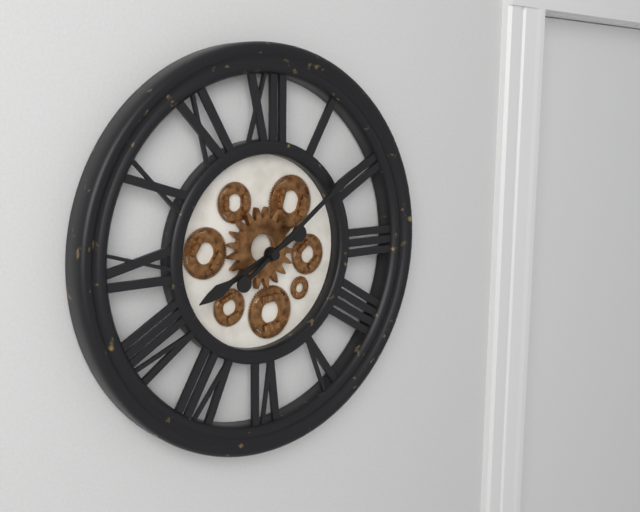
8:09
